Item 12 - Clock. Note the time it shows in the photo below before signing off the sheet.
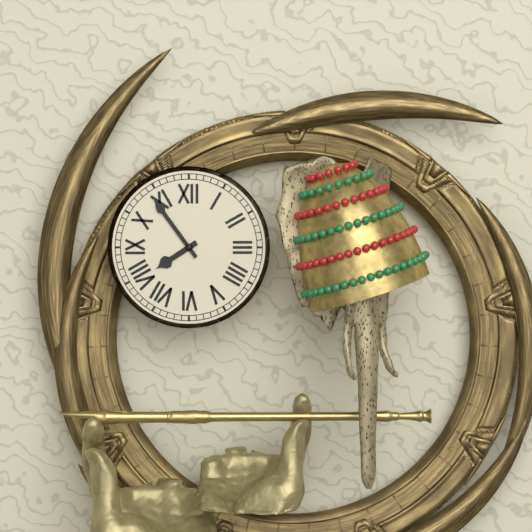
7:54
